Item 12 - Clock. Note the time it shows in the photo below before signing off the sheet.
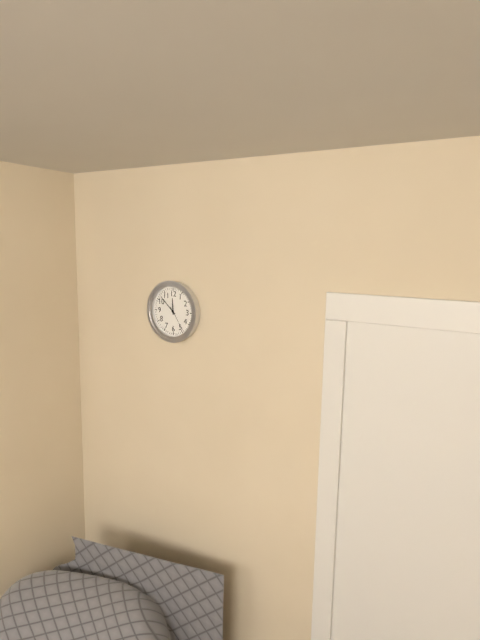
11:52
